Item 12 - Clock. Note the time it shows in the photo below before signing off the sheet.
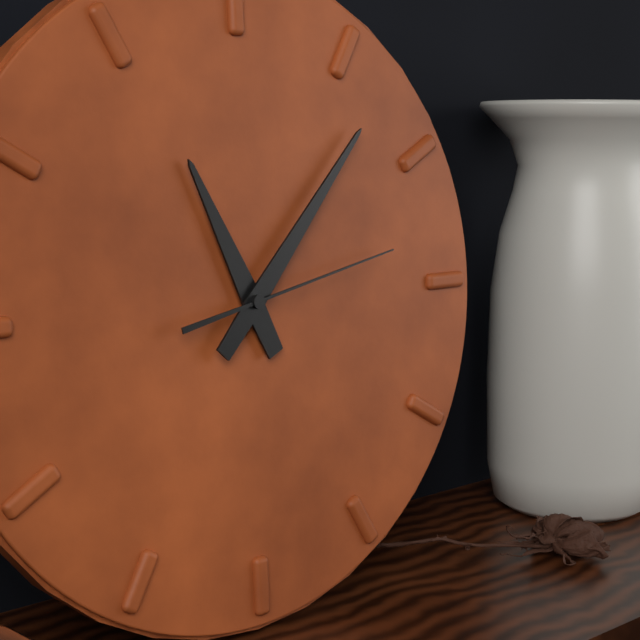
11:07:13
